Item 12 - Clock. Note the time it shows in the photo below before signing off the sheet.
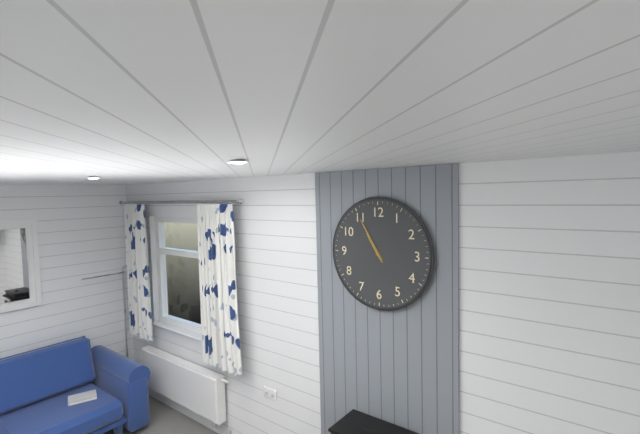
10:55
